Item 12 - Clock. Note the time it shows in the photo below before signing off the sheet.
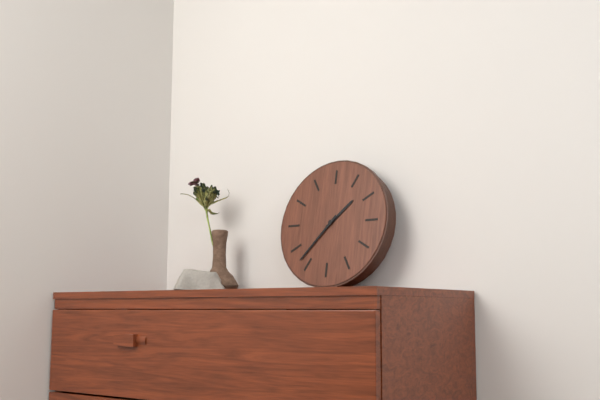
1:37
